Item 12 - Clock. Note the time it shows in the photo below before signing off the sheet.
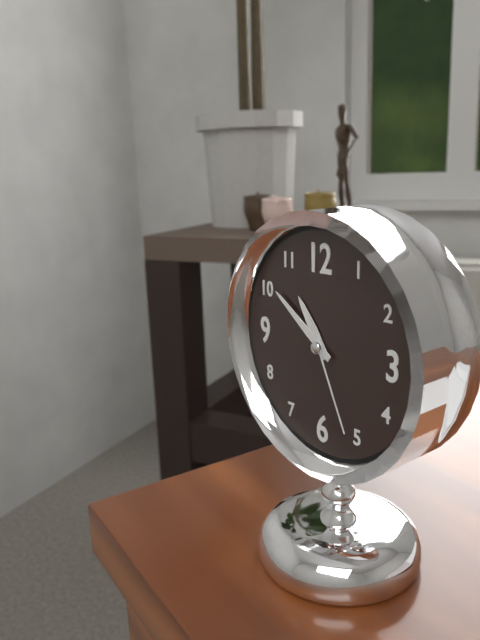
10:51:26
